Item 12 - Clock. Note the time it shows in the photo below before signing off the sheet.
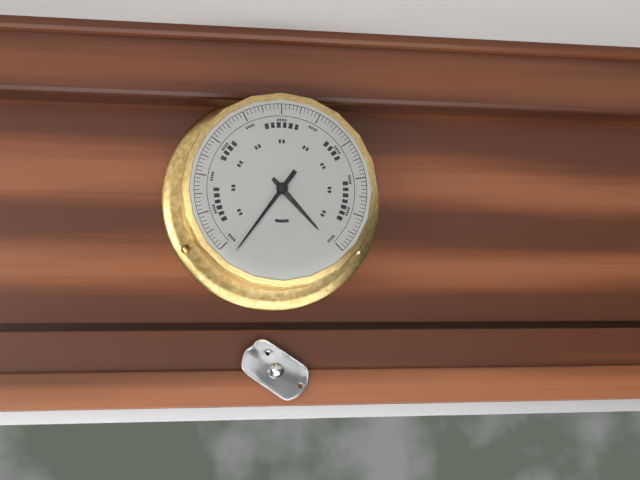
4:36
